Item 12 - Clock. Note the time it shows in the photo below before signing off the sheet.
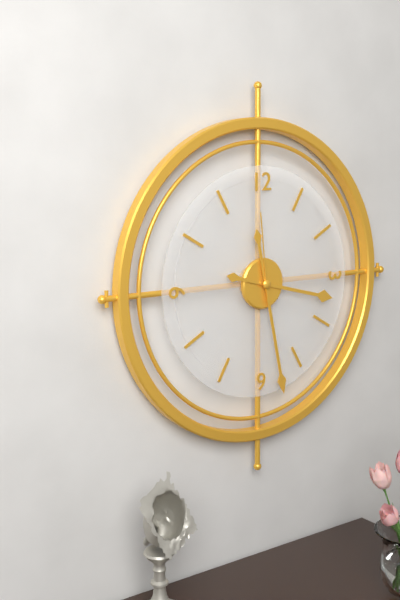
3:28:59
